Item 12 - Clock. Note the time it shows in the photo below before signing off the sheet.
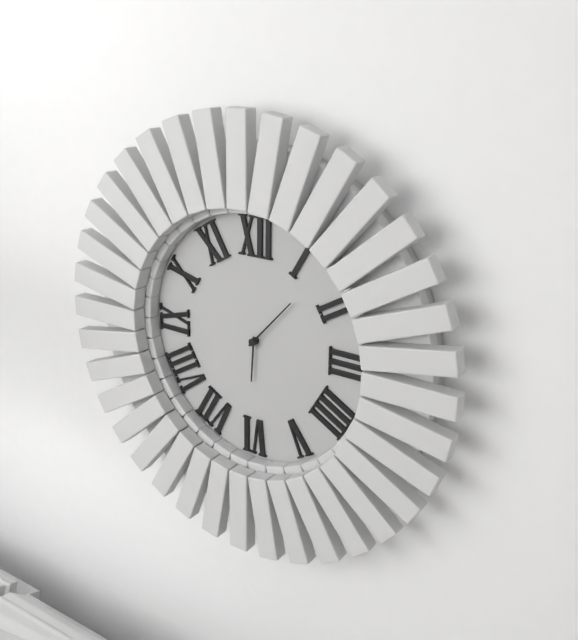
6:07
